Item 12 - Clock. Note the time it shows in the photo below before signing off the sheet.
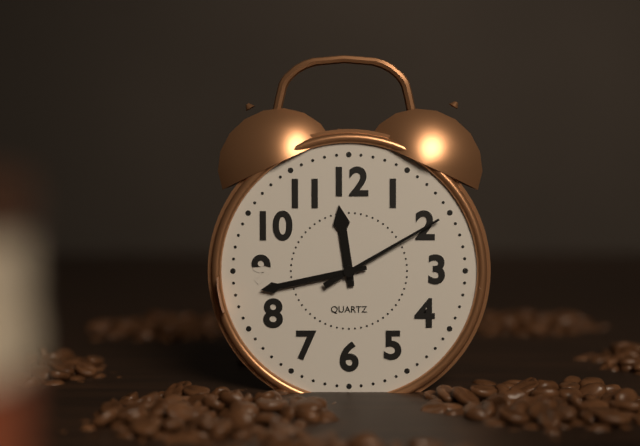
11:43:10
